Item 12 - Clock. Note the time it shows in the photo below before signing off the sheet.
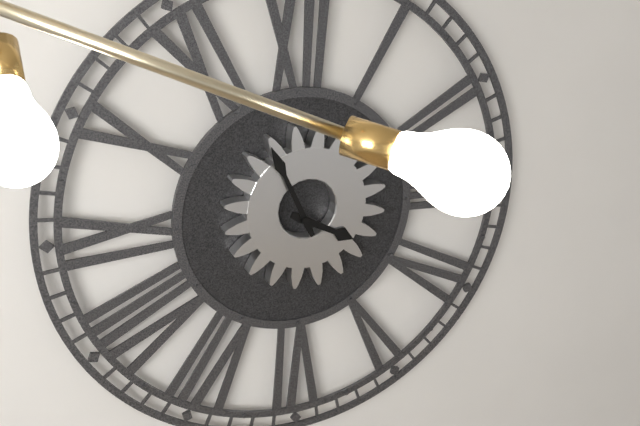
3:56
